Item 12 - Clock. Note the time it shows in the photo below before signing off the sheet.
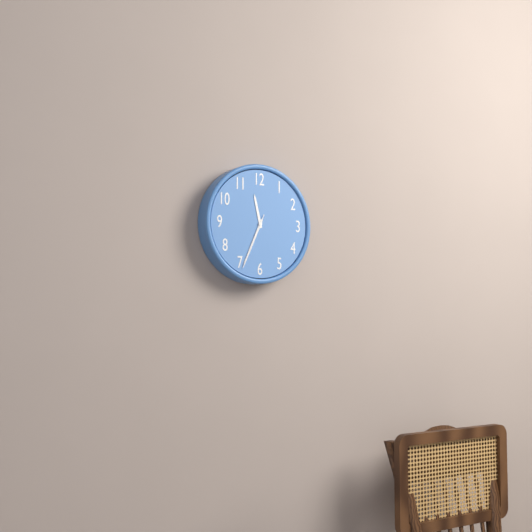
11:34:34
